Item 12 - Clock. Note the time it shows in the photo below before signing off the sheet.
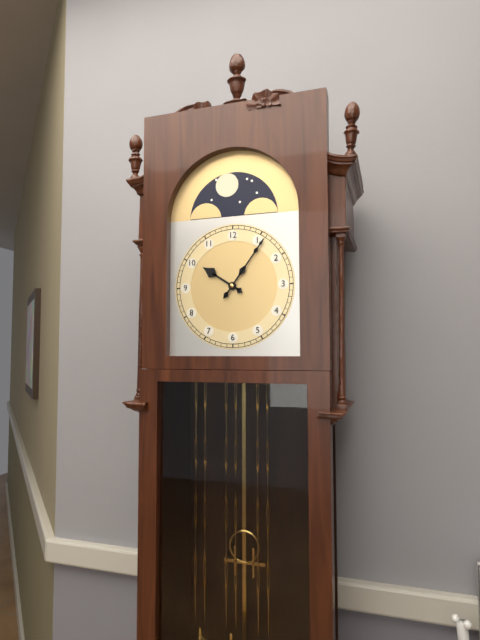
10:06
